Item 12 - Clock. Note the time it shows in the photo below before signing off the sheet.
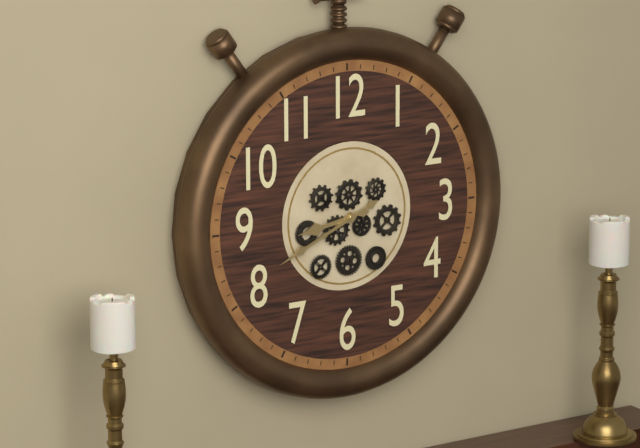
8:41
